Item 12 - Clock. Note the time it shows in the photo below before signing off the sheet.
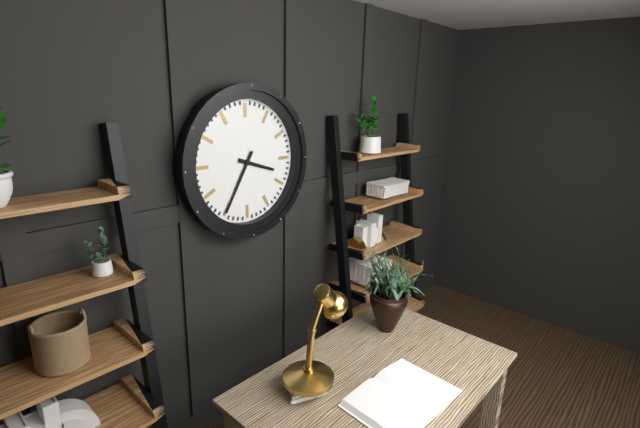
3:35
